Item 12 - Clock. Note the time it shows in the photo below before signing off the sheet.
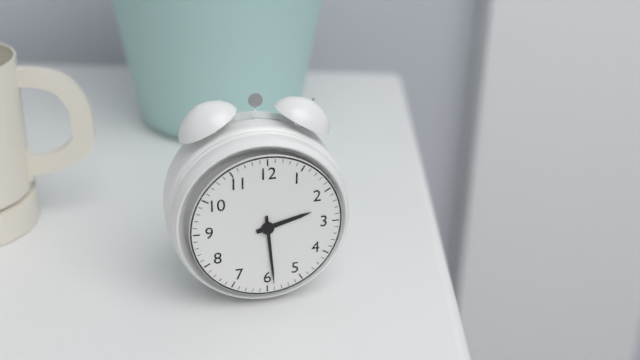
2:29
